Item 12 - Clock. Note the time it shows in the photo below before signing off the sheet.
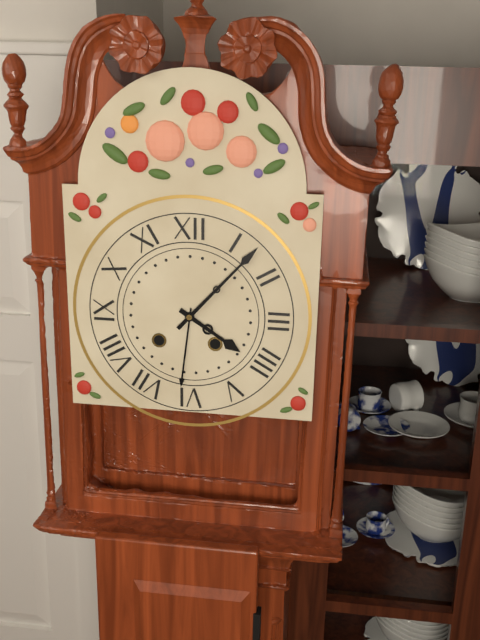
4:07
